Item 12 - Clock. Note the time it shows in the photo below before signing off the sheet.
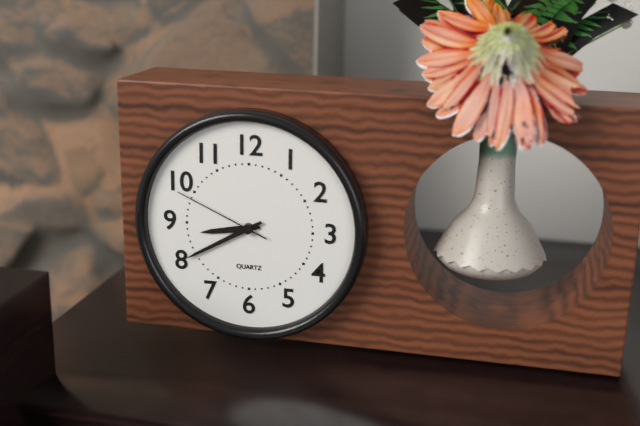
8:40:49
